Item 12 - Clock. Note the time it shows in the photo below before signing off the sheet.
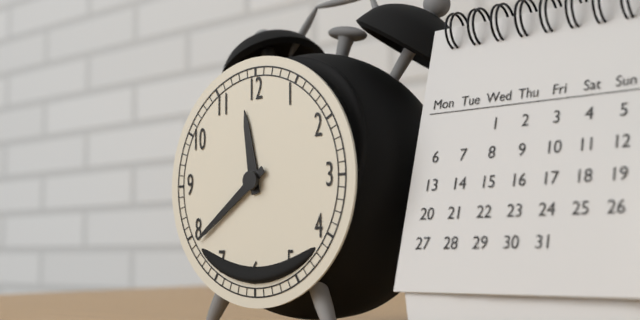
11:39
